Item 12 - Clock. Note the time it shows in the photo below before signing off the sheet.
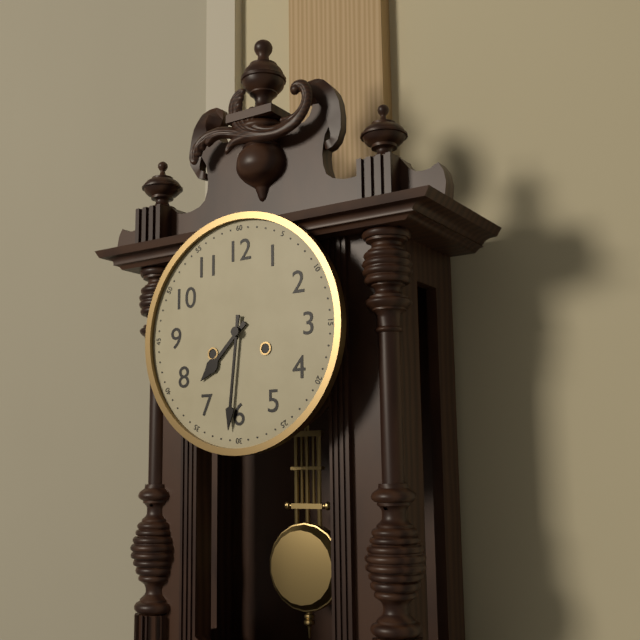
7:31
